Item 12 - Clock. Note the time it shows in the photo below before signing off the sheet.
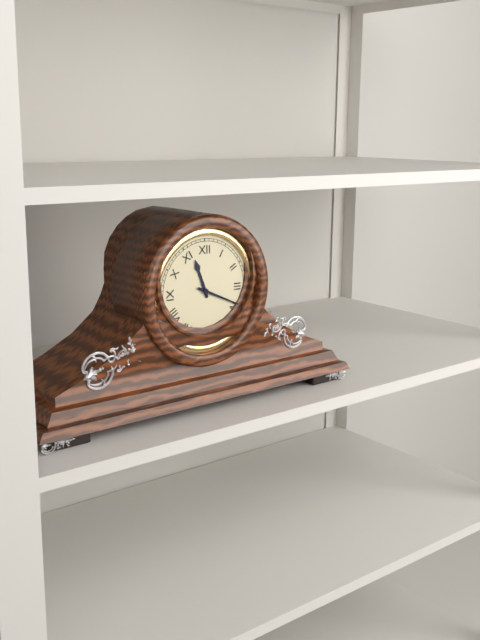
11:19
